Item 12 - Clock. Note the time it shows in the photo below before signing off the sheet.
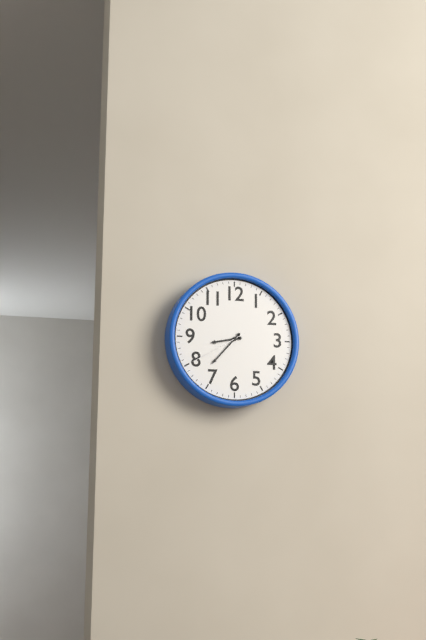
8:37:40
